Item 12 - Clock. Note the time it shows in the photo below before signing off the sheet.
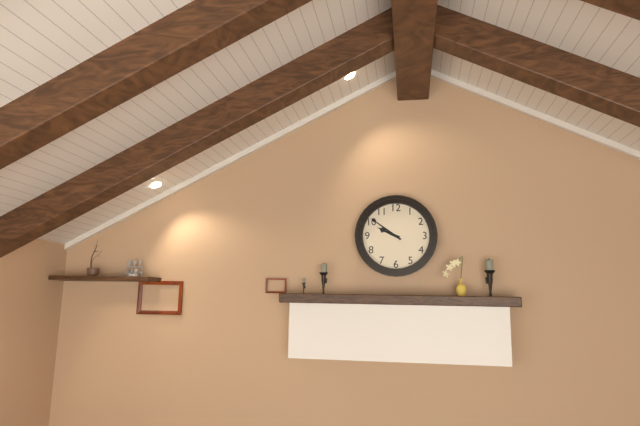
9:51
